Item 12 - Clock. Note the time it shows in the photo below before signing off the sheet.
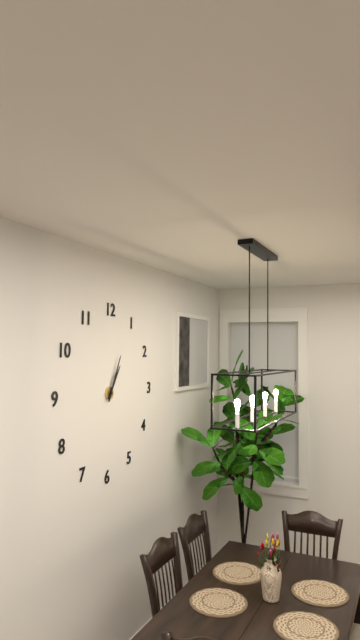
1:04
